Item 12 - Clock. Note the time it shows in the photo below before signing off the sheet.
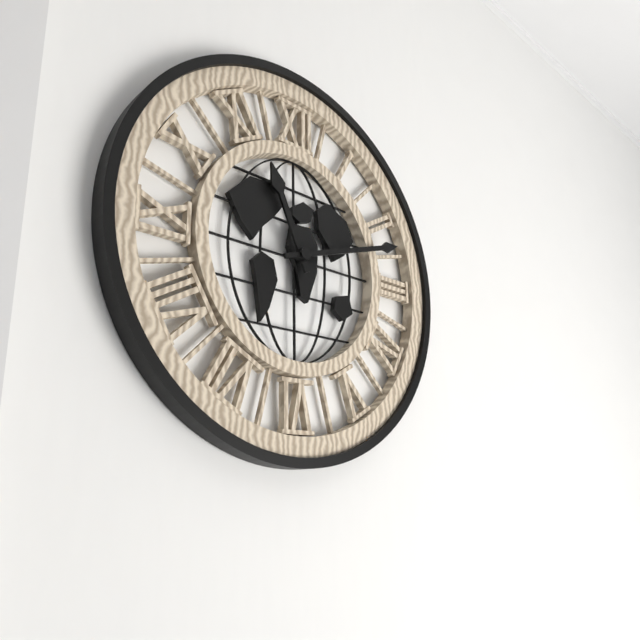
11:12
